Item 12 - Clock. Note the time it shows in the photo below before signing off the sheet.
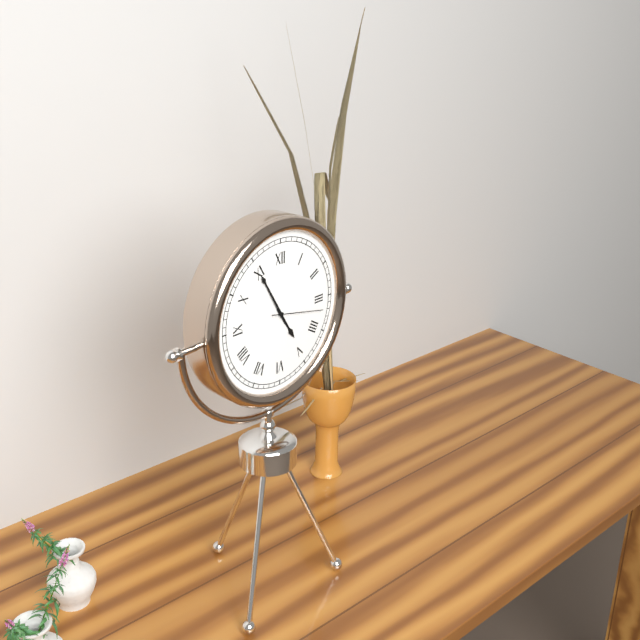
4:55:17
